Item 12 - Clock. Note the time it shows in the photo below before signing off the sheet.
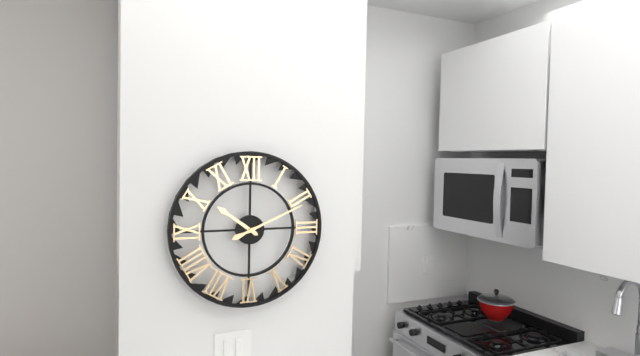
10:11
